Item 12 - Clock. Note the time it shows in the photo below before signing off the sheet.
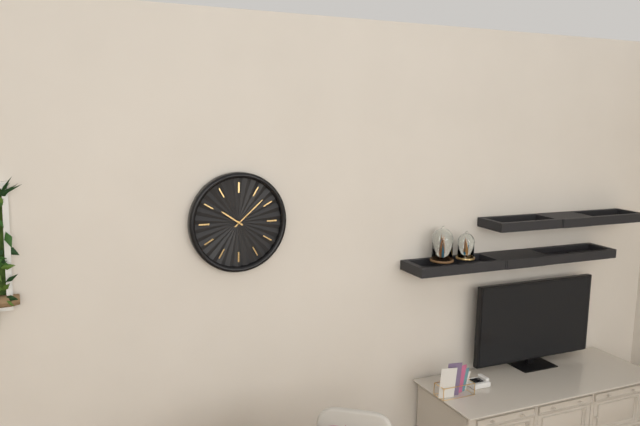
10:08
